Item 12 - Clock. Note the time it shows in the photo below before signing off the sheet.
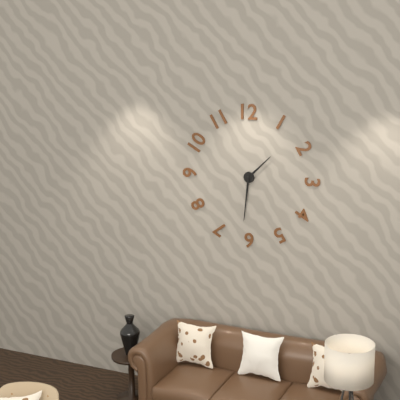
1:31
